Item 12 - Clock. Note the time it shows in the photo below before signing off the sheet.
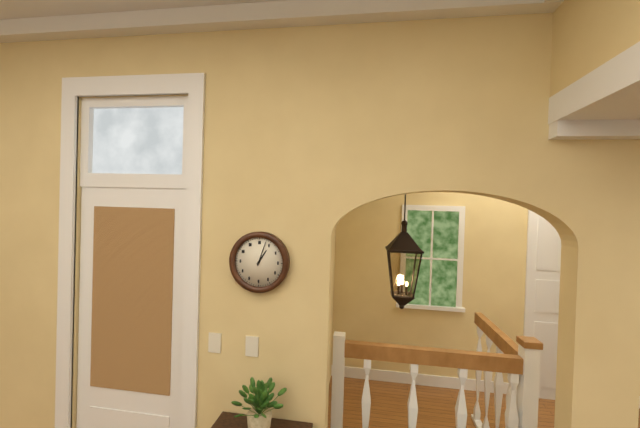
1:03
